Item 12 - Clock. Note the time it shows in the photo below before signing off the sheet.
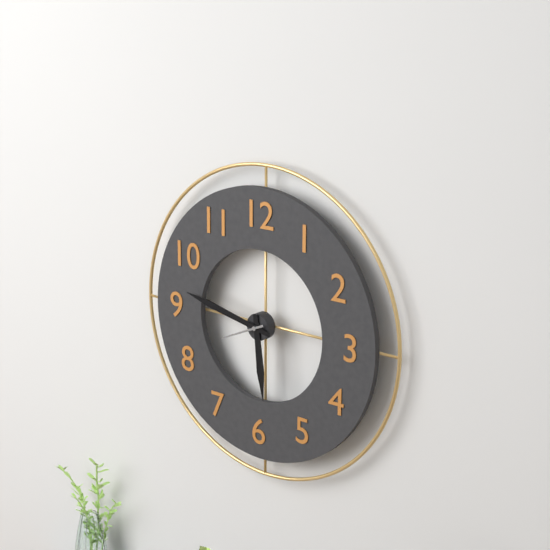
5:47
